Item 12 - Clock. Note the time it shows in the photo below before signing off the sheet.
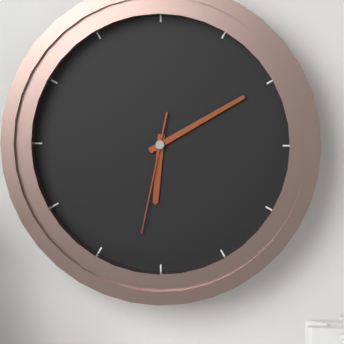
6:10:32
